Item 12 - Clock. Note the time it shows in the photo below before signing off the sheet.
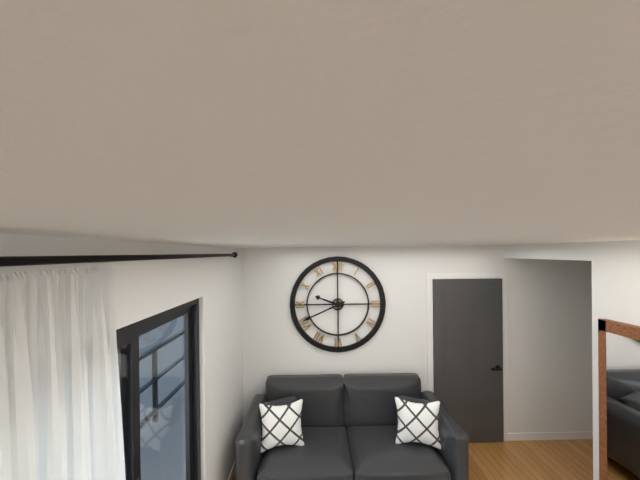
9:41
